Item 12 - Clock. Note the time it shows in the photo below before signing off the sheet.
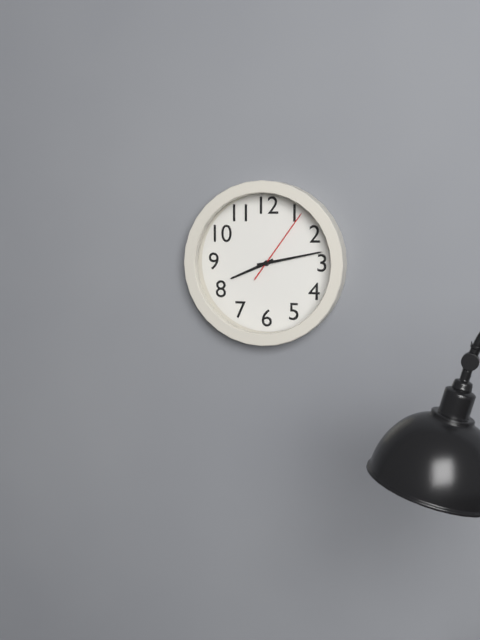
8:13:06
